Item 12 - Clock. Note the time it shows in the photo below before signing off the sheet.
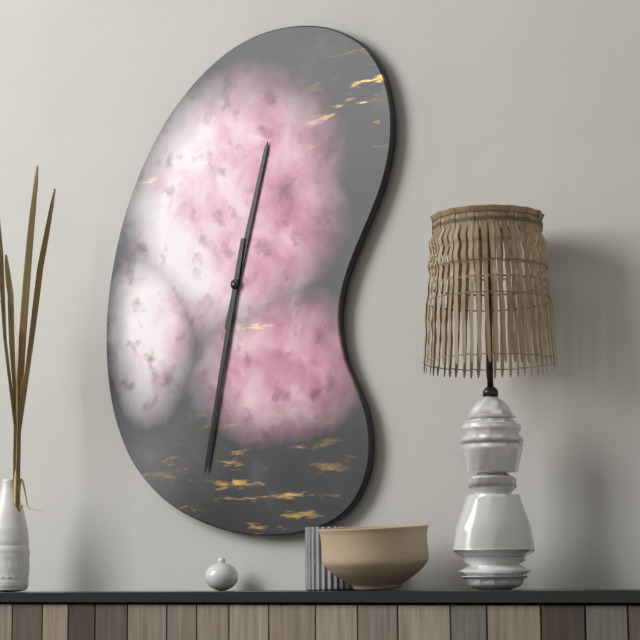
12:32
